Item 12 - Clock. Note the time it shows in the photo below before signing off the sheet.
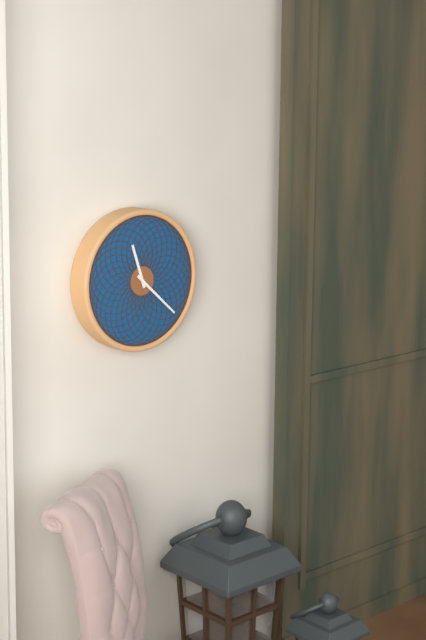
11:22
